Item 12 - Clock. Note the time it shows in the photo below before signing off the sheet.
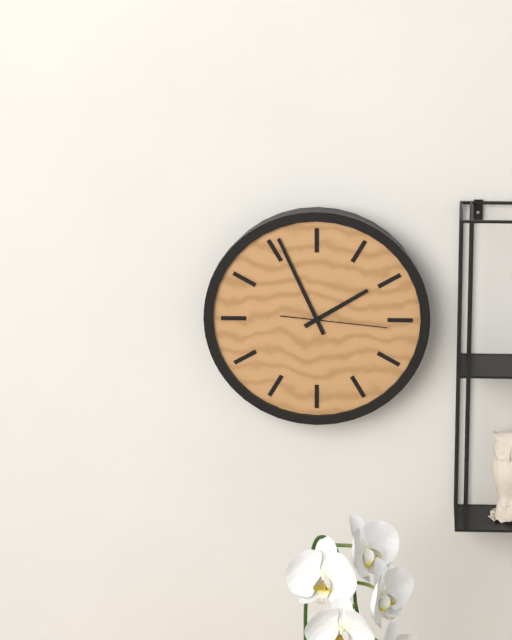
1:56:16
